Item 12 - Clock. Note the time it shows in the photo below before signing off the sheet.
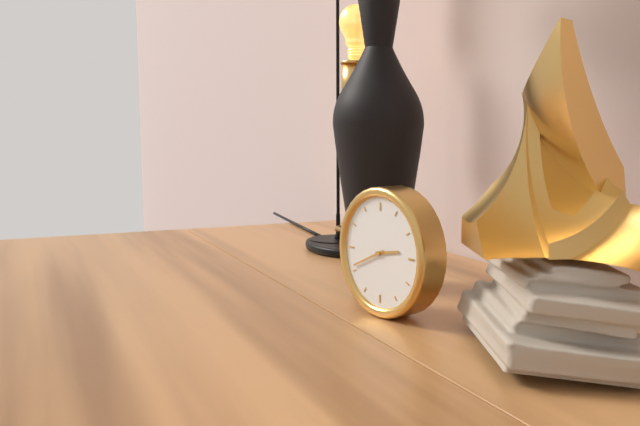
2:41
